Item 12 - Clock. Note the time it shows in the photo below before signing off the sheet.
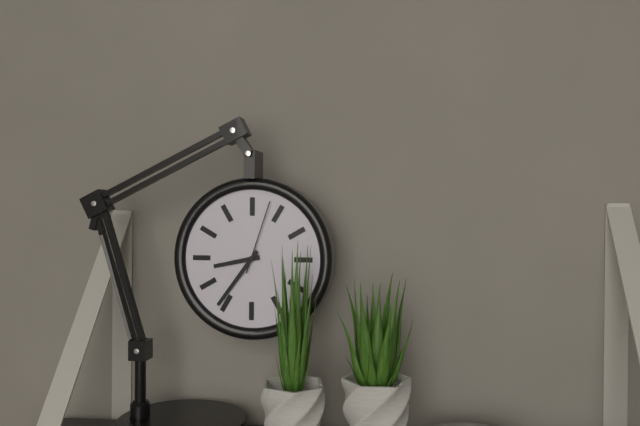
8:36:03
